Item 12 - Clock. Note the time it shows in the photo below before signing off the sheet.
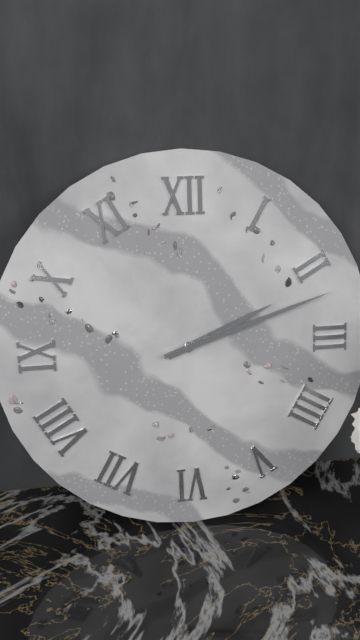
2:12
